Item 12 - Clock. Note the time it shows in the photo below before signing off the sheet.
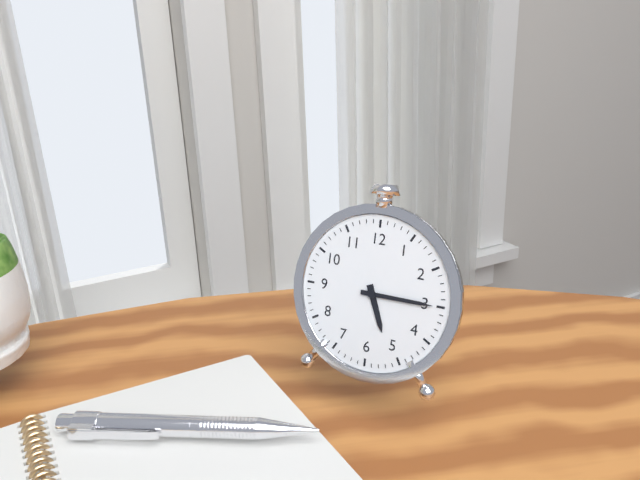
5:15
